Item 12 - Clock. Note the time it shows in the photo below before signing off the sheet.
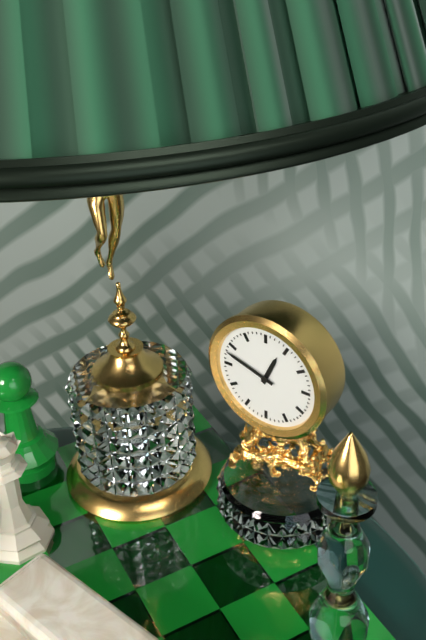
12:48
